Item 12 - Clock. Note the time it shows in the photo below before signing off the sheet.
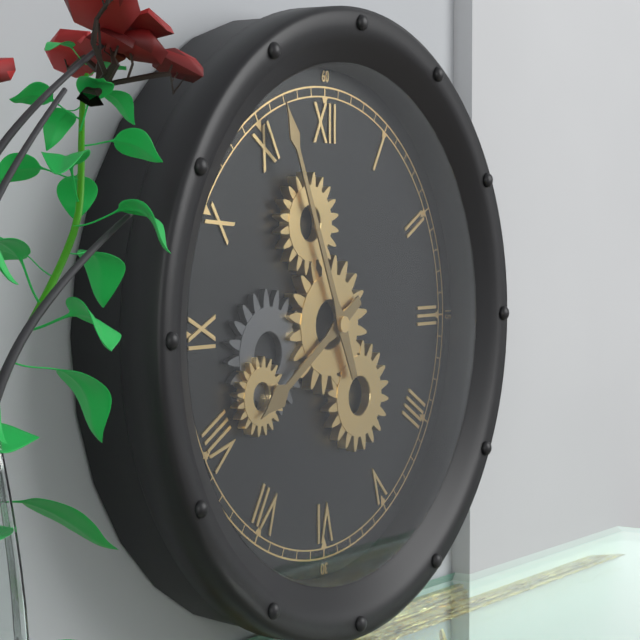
7:56
